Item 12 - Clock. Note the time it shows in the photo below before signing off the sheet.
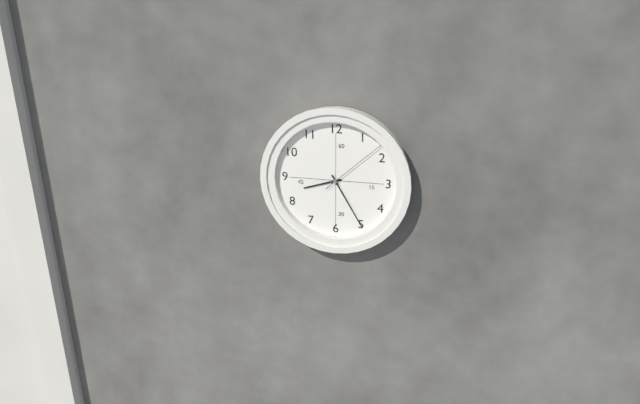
8:25:08
